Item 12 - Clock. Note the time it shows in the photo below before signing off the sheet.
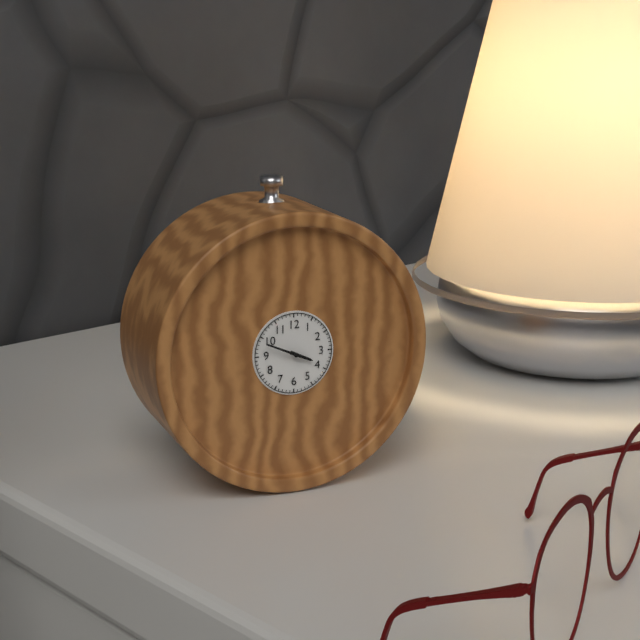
3:49
